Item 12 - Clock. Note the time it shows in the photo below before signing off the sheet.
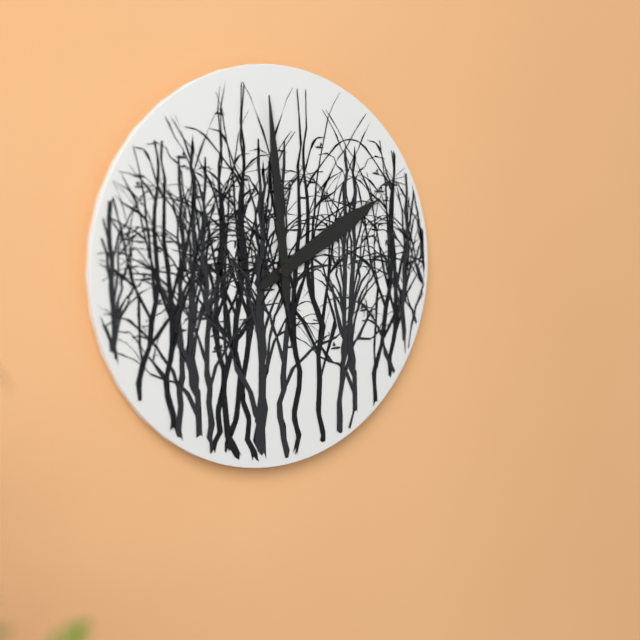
1:59
